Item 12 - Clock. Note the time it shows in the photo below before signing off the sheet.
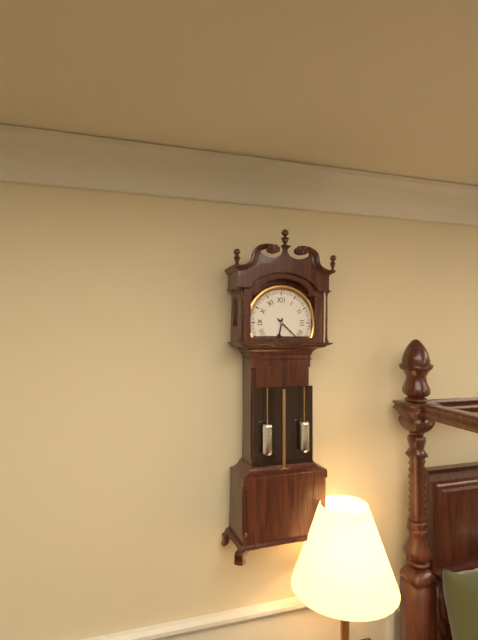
6:22
